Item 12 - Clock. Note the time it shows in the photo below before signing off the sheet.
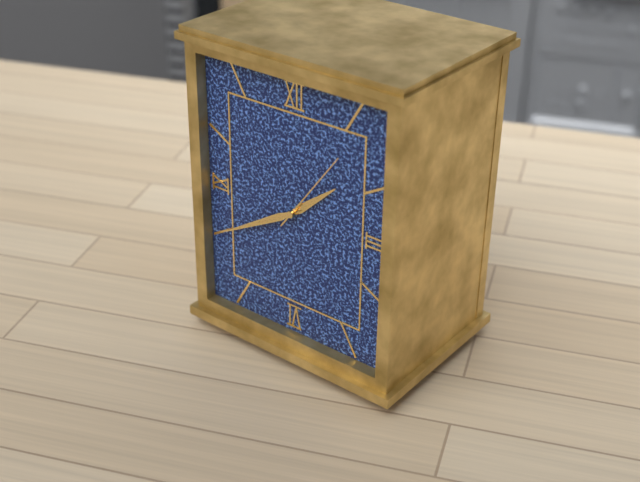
1:40:06
